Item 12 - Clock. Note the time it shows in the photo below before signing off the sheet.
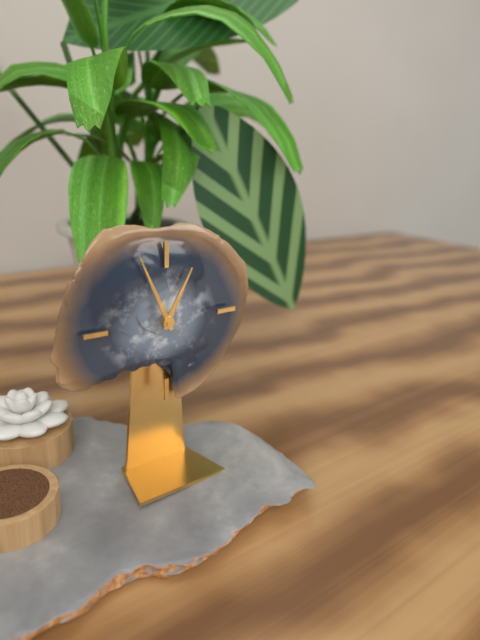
12:56
